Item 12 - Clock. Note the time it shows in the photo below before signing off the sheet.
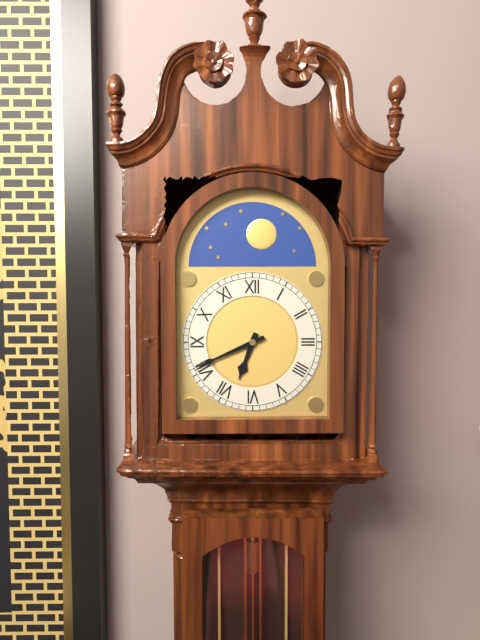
6:41
